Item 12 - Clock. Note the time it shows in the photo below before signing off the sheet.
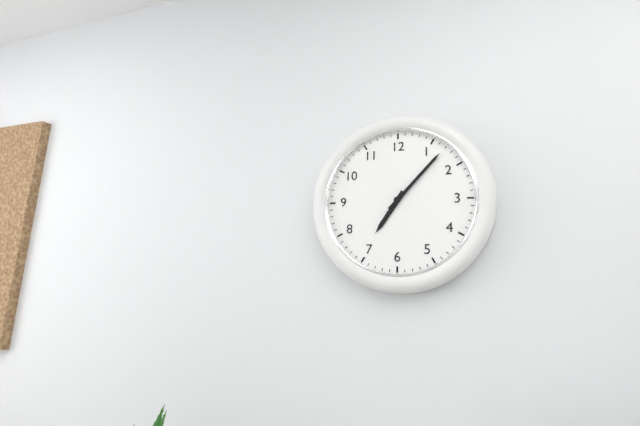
7:07
